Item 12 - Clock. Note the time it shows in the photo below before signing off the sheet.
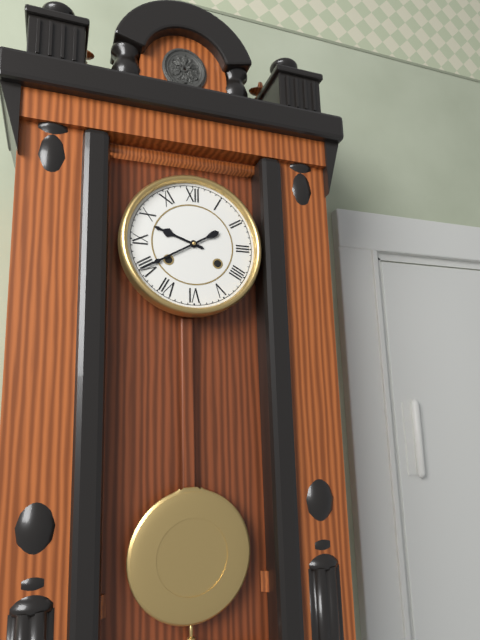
9:40
